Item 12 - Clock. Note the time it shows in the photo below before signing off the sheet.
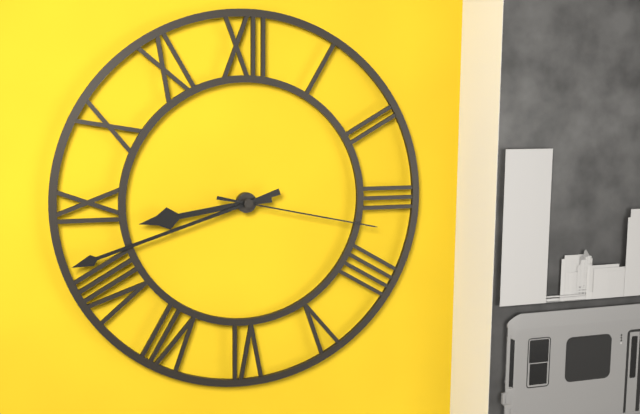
8:42:17
